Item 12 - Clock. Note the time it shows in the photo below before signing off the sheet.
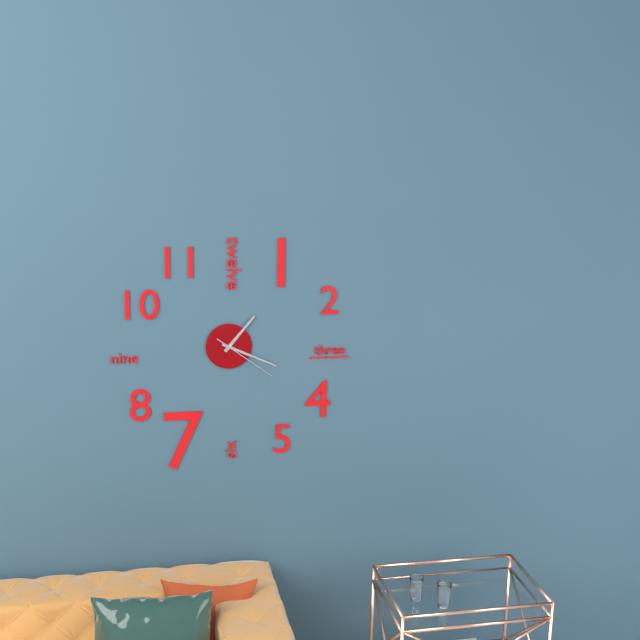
1:19:21
